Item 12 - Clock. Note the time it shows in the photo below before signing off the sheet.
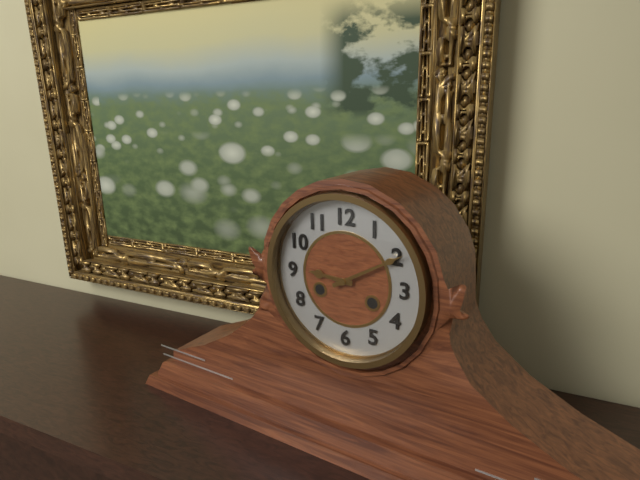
9:10
